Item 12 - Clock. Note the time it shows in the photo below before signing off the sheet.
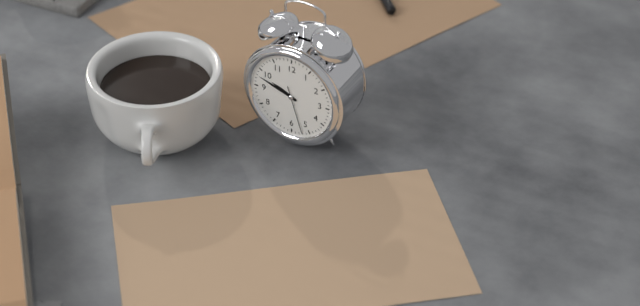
9:48
